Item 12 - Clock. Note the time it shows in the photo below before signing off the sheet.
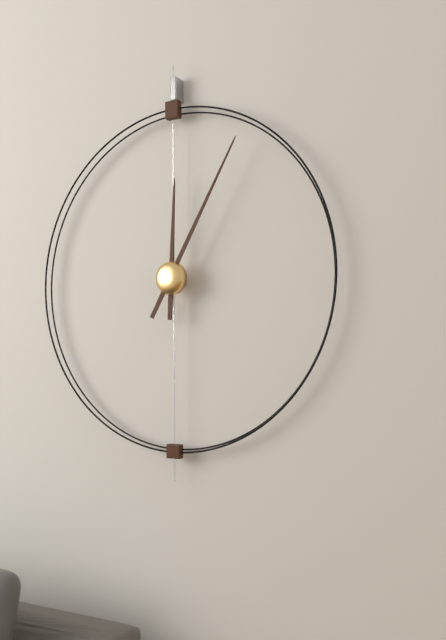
12:05
